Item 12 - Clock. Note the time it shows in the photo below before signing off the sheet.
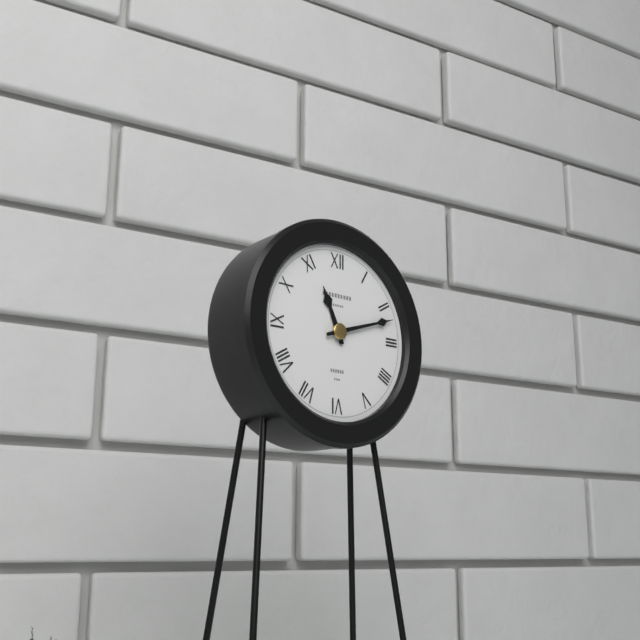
11:12
